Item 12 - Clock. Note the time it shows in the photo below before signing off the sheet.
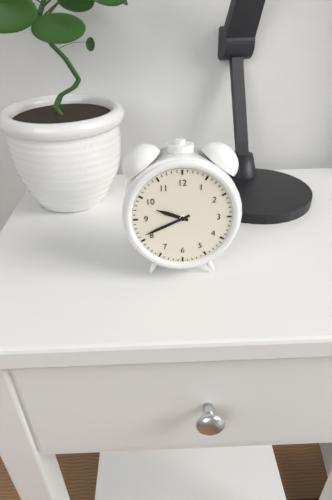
9:41
